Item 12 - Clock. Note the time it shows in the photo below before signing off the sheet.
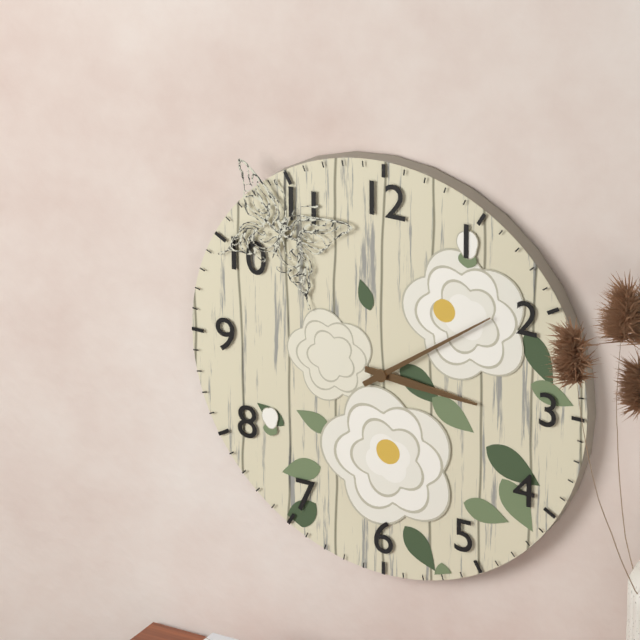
3:09
